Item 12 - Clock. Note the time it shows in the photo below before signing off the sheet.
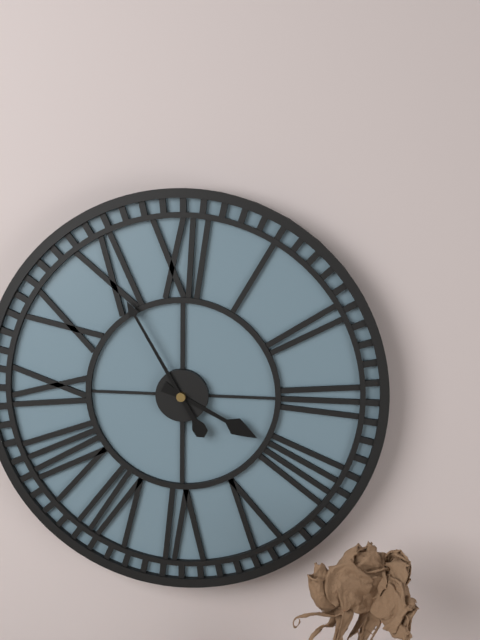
3:55
